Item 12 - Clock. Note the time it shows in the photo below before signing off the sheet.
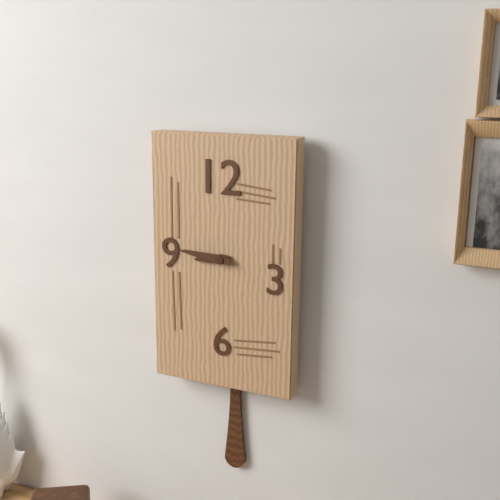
8:46
